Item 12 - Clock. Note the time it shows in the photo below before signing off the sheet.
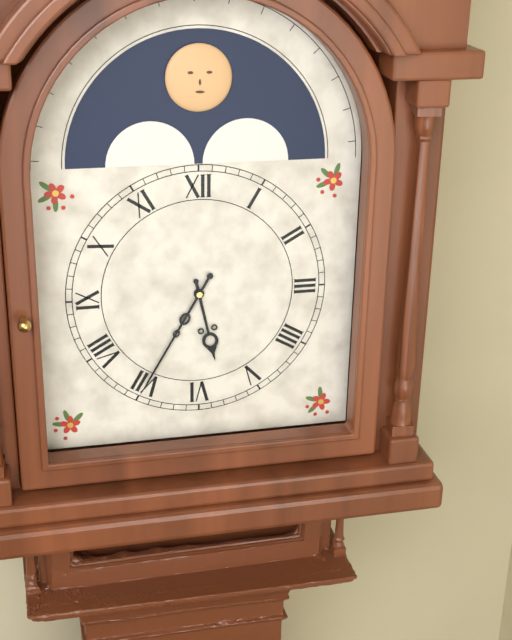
5:35
